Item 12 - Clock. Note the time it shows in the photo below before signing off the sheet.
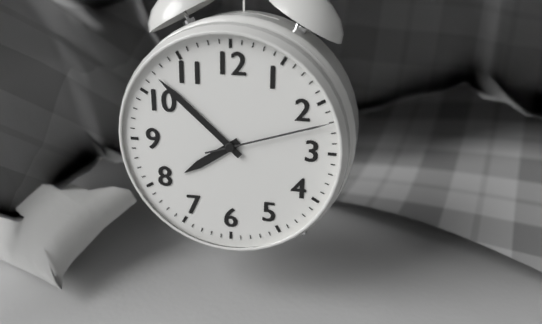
7:52:12
